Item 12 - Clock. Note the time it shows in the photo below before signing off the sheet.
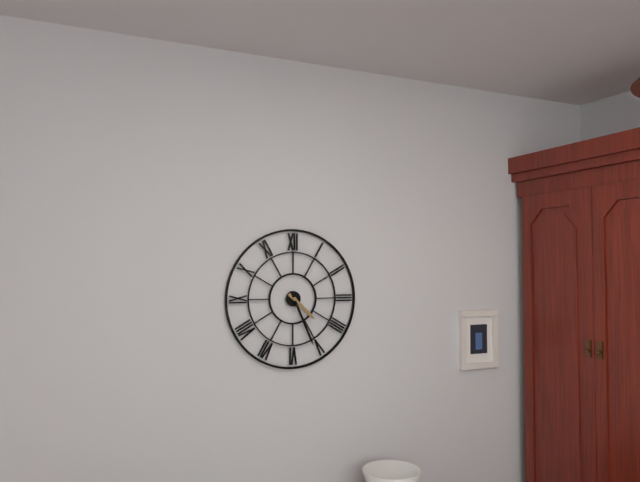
4:26
